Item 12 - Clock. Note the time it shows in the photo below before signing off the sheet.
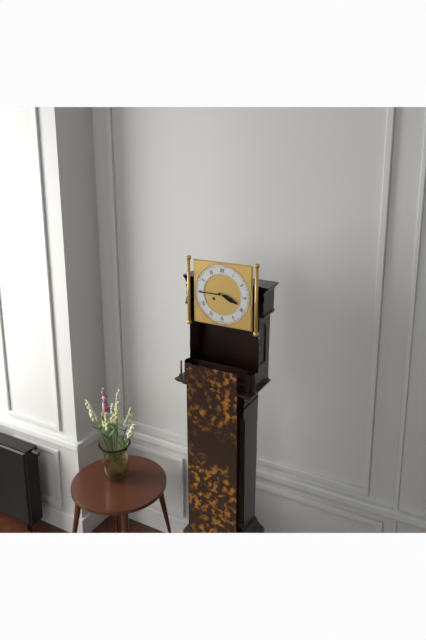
3:45
